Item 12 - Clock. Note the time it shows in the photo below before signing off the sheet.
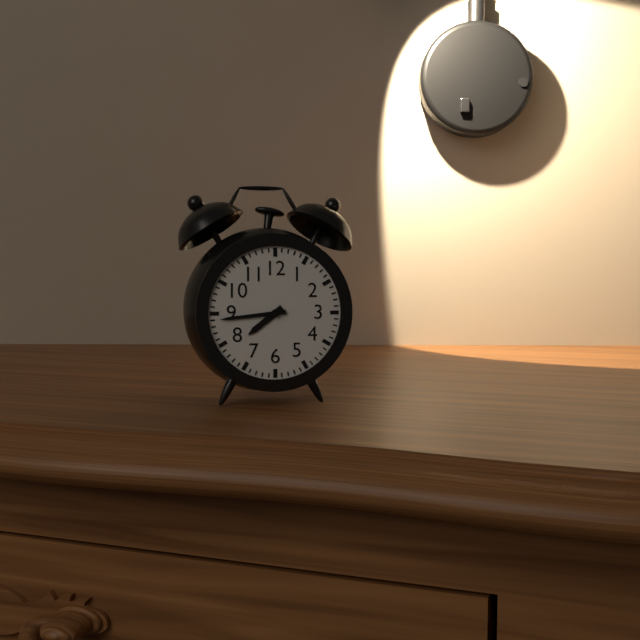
7:44
